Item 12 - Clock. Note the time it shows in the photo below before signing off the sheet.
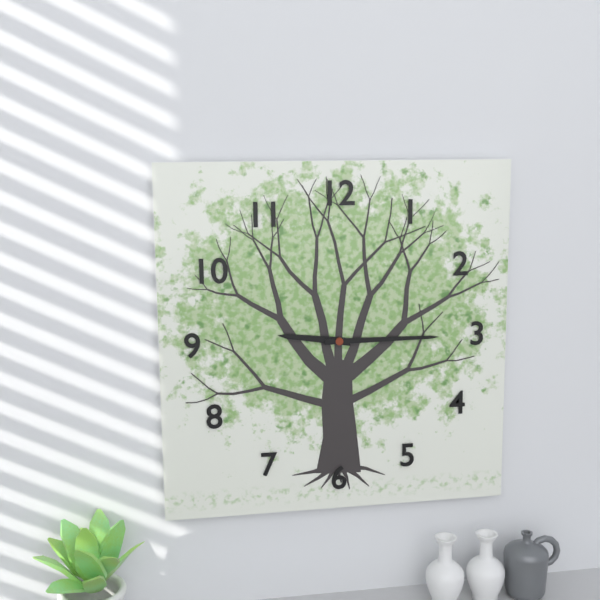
9:15
